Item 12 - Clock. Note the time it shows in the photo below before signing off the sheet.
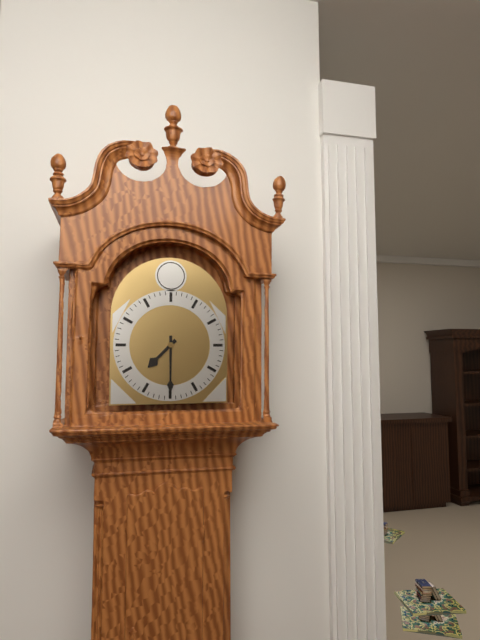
7:30
